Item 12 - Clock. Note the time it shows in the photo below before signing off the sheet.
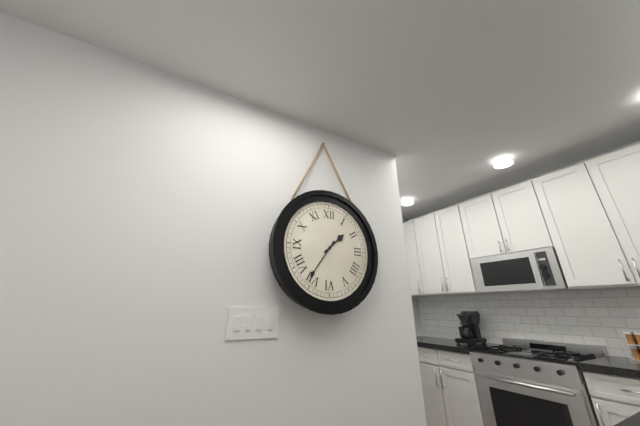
1:36
